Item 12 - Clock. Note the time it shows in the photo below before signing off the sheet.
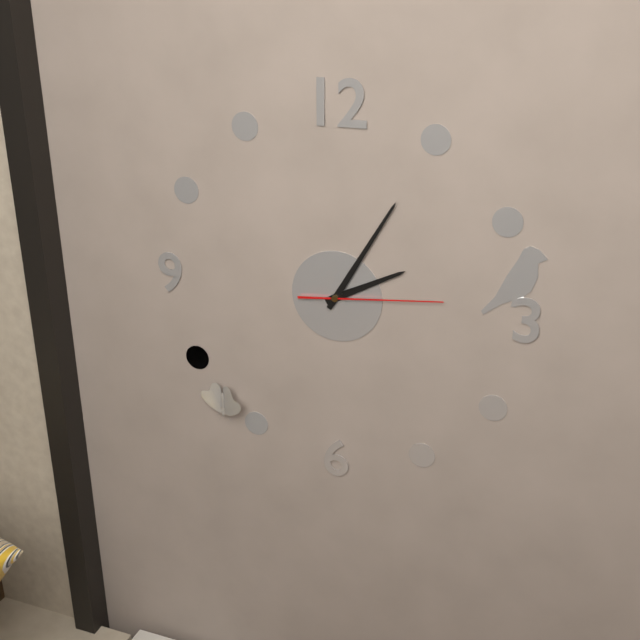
2:05:14
